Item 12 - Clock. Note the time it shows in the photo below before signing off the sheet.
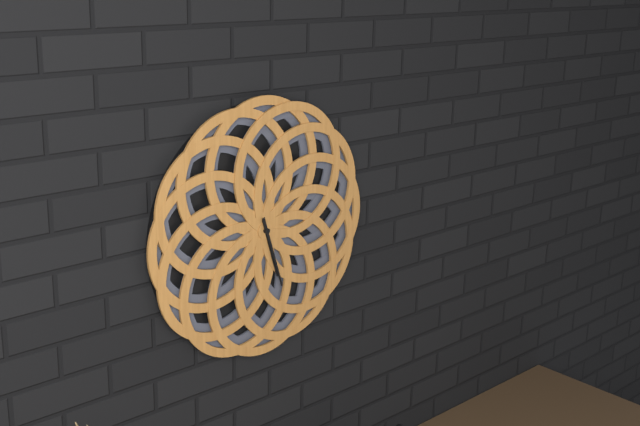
5:27
